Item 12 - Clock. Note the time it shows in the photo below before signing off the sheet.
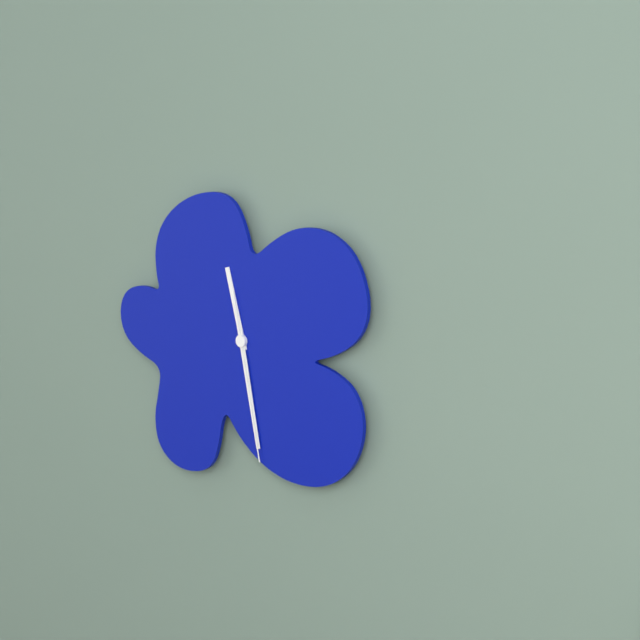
11:28:28
